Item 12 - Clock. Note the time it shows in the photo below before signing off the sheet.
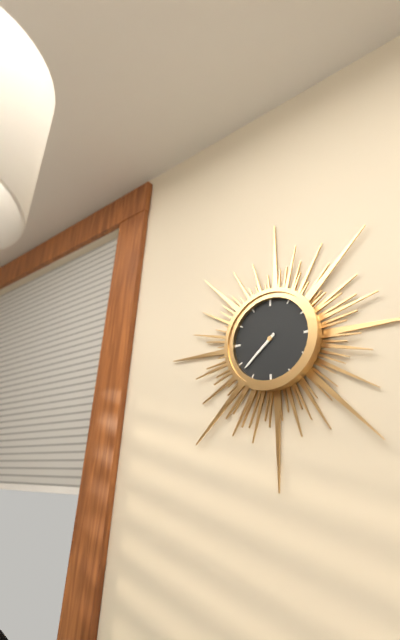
7:38
